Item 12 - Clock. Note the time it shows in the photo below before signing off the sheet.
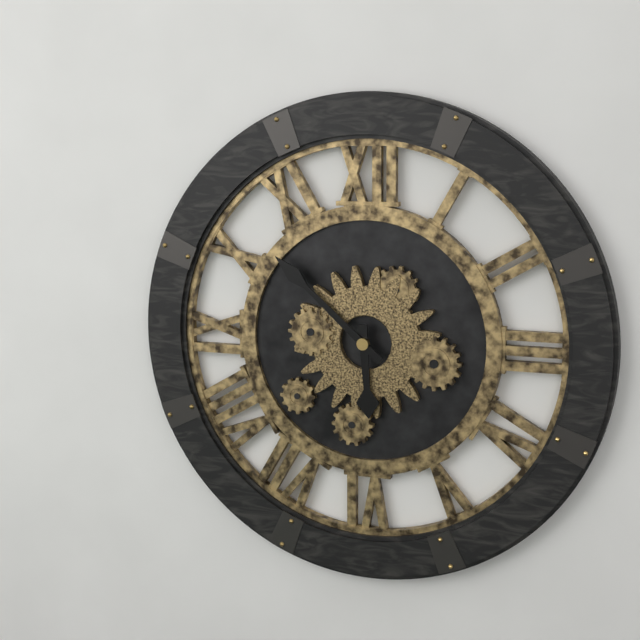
5:52
